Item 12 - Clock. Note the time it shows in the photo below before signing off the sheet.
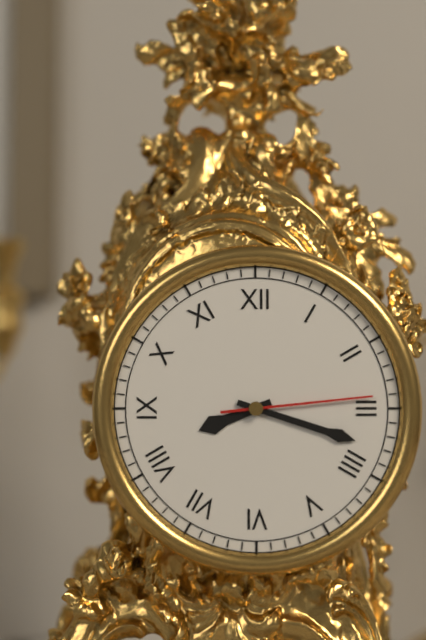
8:18:14
